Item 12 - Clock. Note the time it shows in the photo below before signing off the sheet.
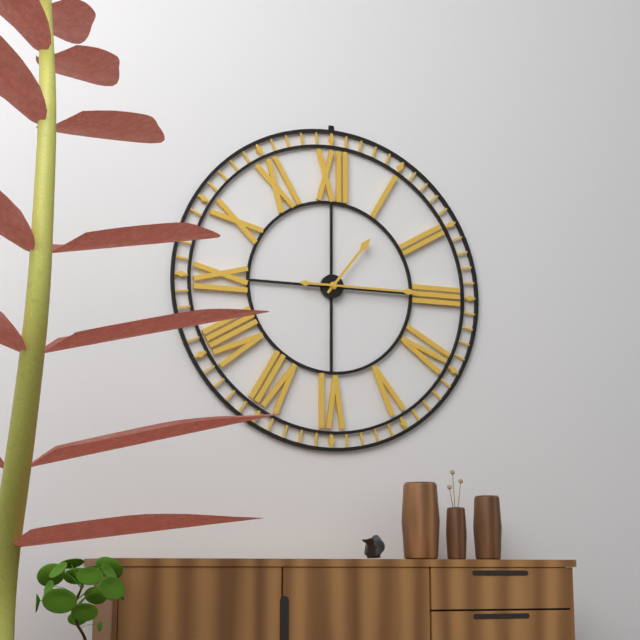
1:15
